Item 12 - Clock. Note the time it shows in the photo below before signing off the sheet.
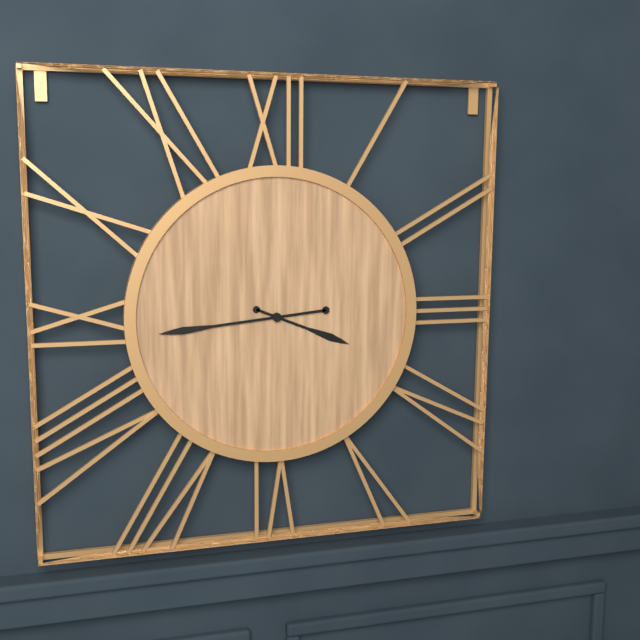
3:44
